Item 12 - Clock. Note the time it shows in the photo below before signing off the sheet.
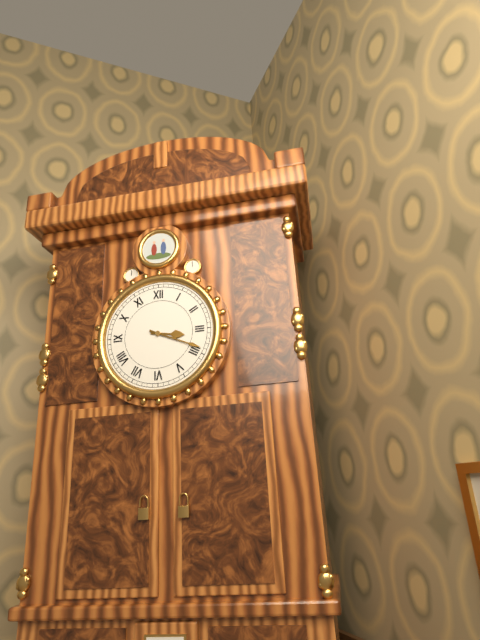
3:19
